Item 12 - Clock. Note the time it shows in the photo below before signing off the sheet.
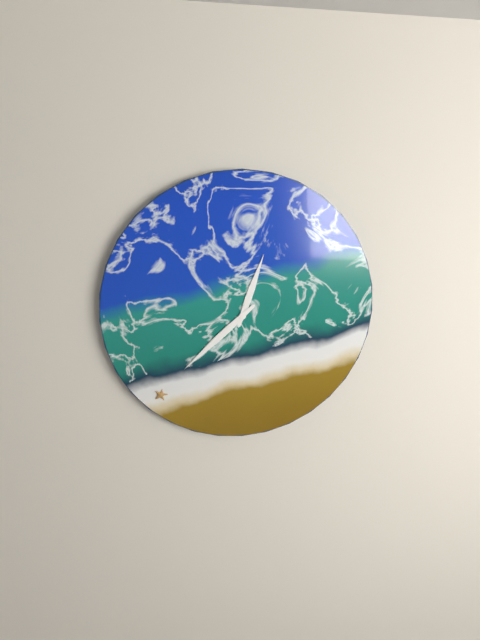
12:38
